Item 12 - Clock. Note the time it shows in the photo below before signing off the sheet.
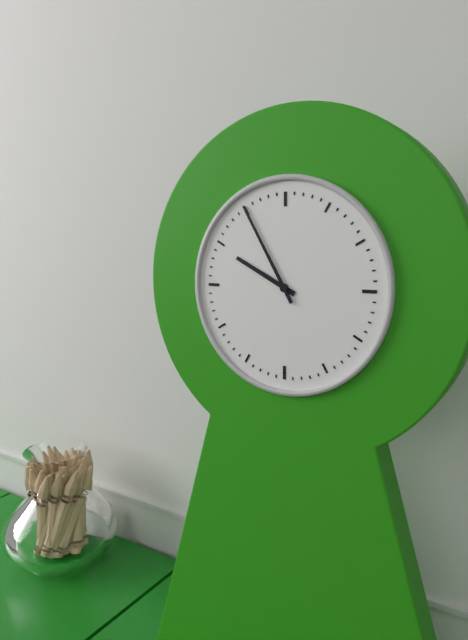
9:55
